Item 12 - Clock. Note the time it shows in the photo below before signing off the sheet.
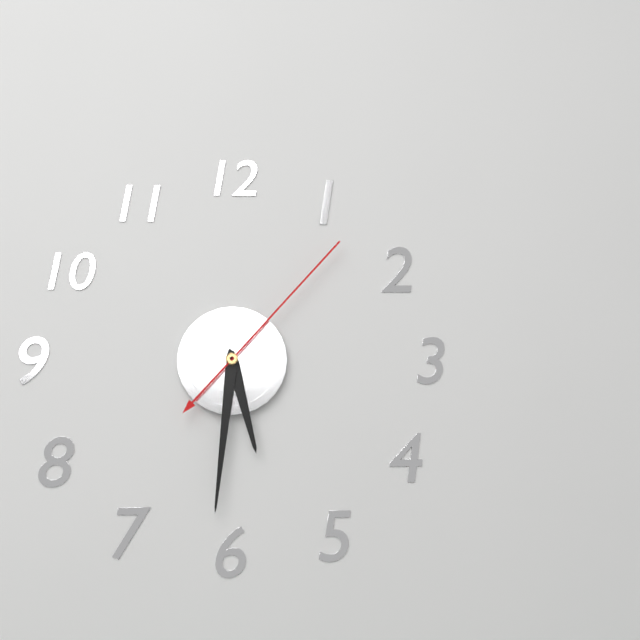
5:31:07
